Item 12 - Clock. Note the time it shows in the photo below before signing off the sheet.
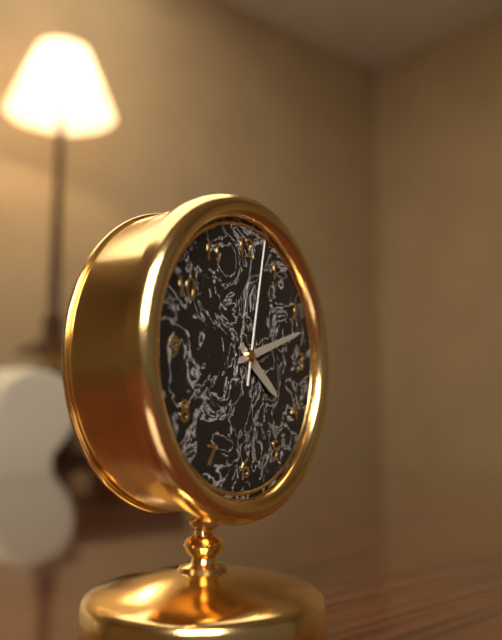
4:12:02
